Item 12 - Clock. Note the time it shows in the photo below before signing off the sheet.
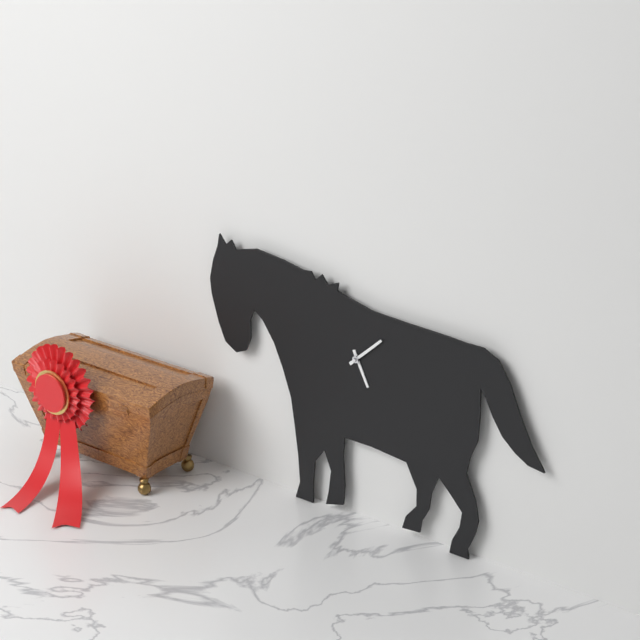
5:08
